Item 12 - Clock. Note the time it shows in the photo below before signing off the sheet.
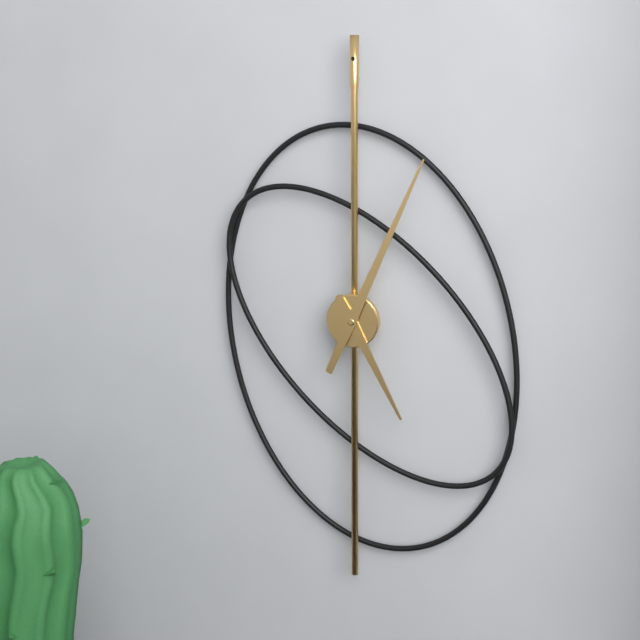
5:04
